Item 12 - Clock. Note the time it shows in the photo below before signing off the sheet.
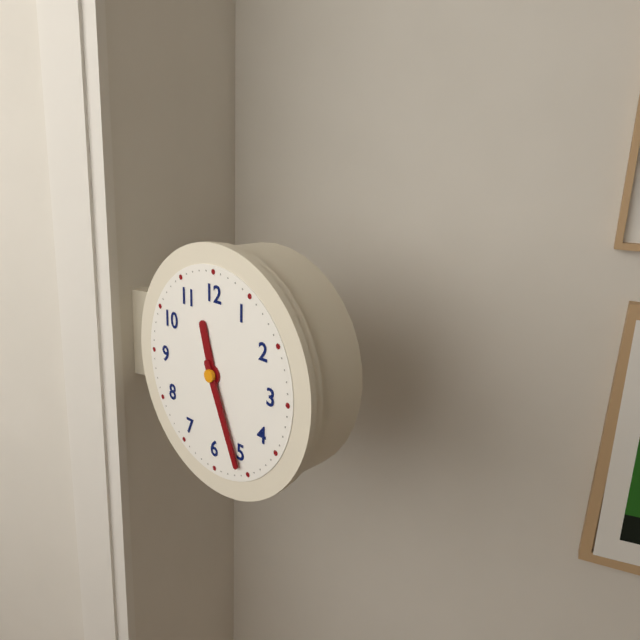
11:26
